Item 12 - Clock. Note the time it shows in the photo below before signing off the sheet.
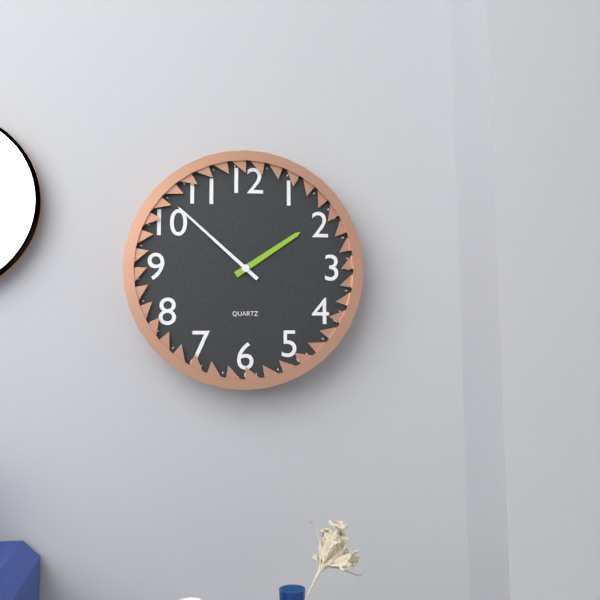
1:52
